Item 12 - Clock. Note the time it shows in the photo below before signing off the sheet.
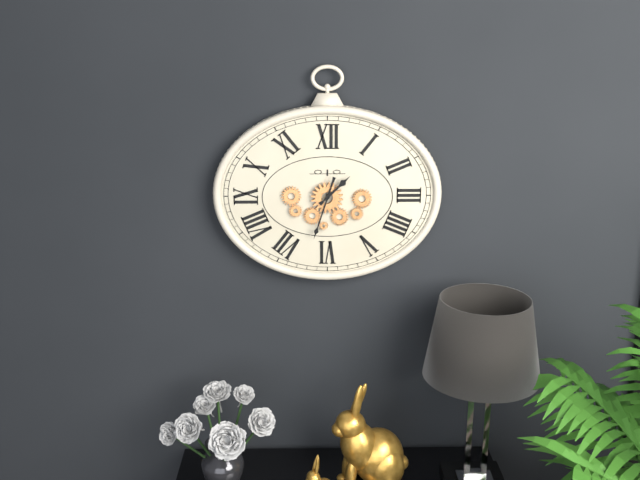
1:33
